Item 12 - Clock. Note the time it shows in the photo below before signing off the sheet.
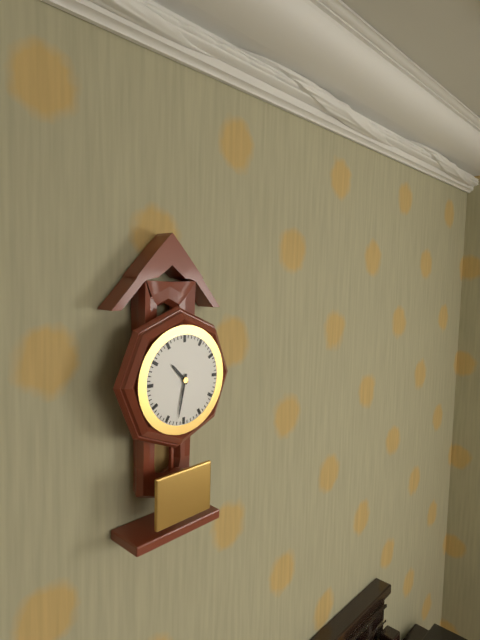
10:32
